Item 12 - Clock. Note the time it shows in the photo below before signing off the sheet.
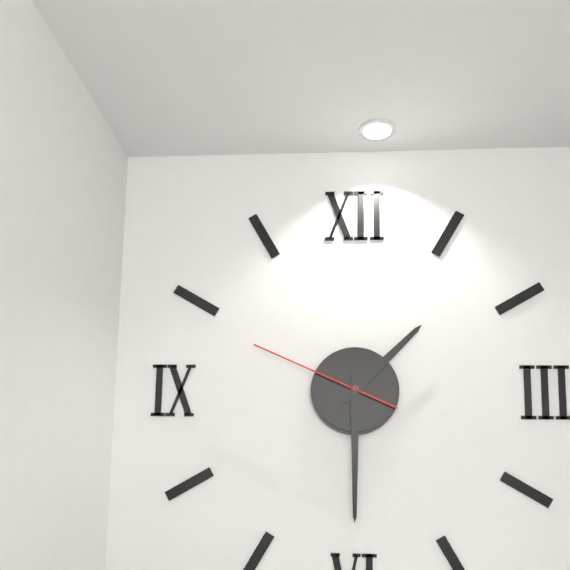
1:30:49
